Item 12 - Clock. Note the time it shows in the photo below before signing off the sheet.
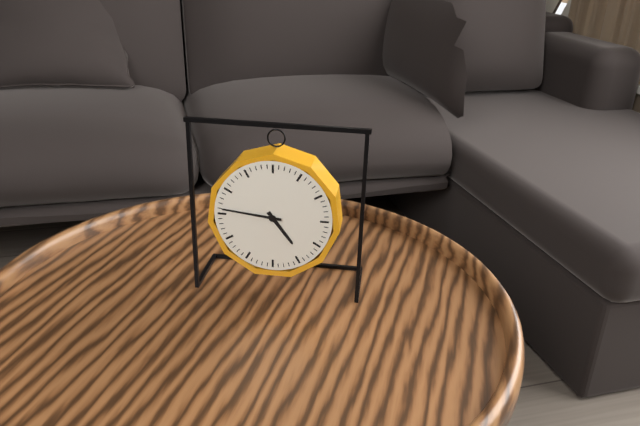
4:46
